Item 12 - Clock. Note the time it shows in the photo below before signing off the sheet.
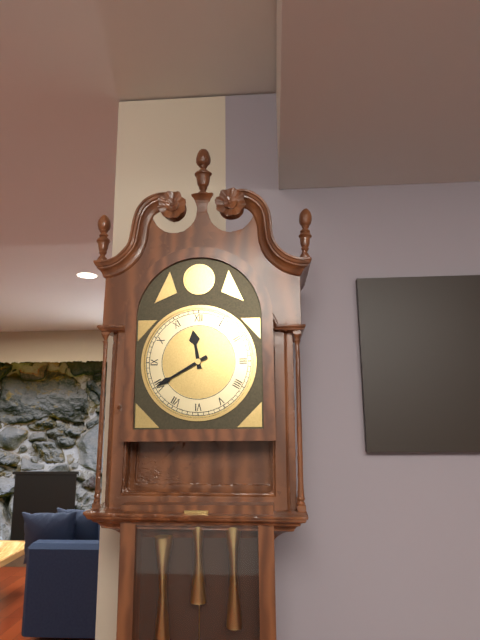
11:40
